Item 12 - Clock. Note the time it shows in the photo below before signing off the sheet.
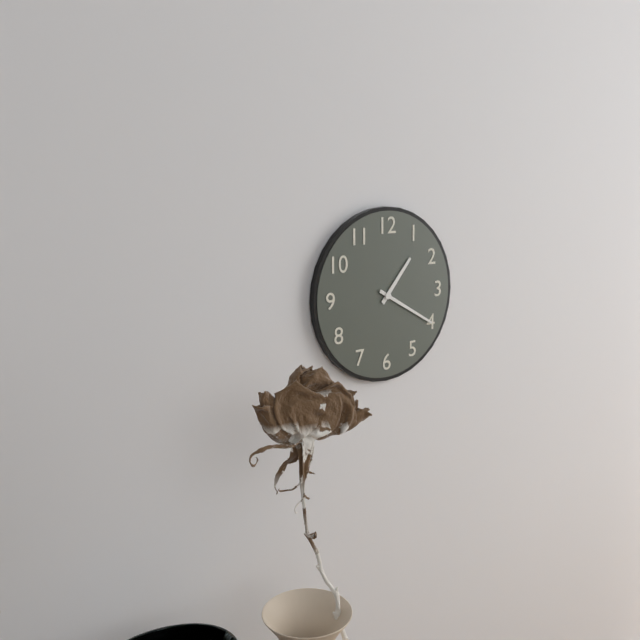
1:20
